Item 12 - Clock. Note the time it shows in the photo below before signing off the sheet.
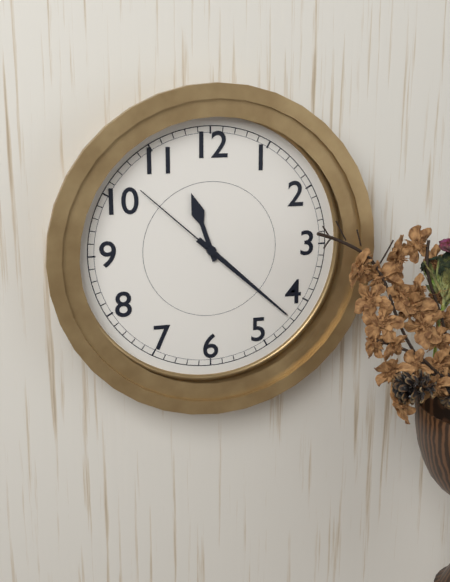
11:22:52
